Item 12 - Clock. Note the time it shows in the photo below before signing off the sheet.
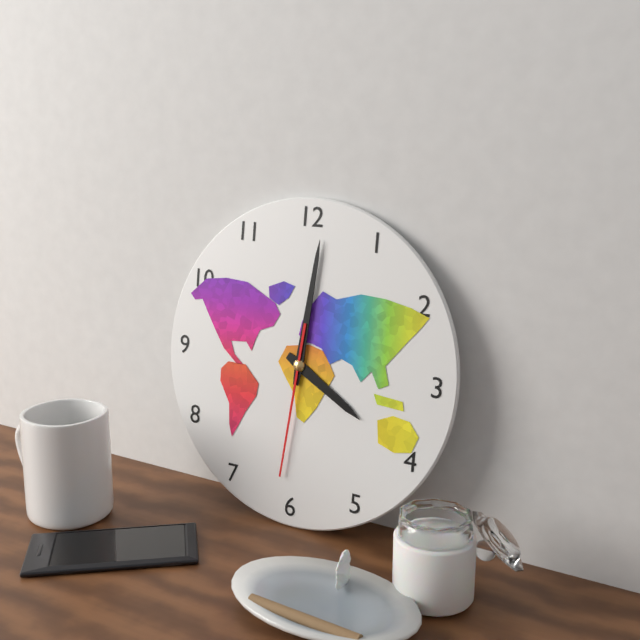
4:01:31
